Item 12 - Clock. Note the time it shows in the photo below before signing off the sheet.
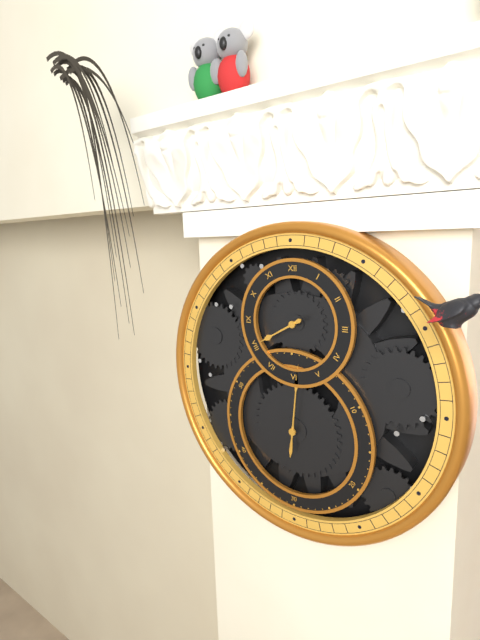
8:01
